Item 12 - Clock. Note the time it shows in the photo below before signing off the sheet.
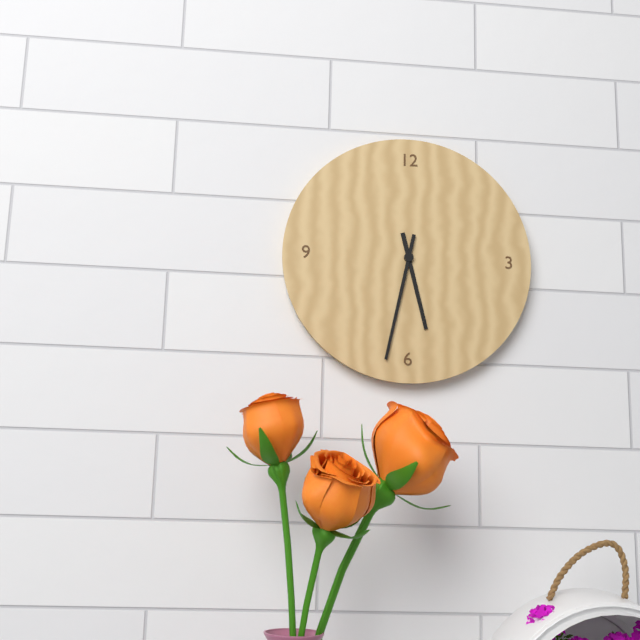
5:32
